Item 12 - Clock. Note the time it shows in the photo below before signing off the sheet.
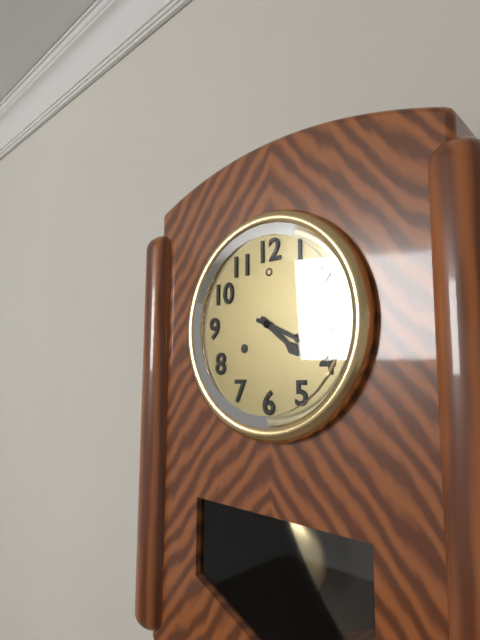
4:19
